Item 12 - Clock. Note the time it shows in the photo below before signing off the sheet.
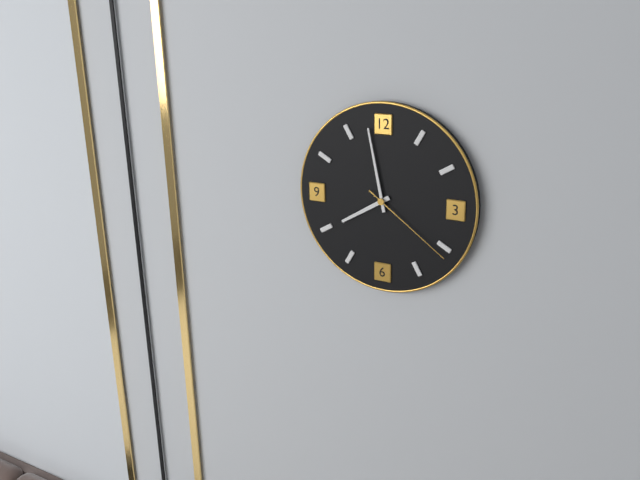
7:58:21
